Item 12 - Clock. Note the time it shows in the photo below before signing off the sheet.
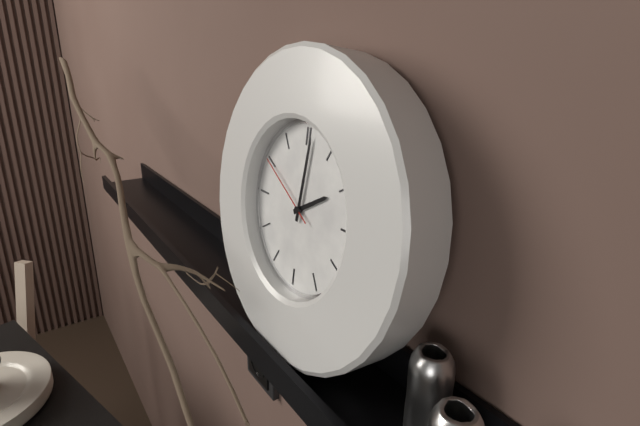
2:01:50
